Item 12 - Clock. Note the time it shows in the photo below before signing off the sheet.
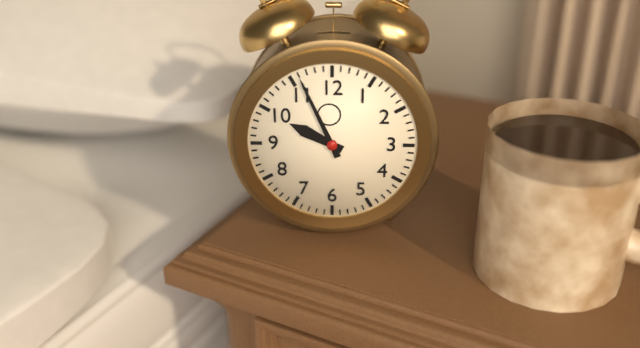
9:56
